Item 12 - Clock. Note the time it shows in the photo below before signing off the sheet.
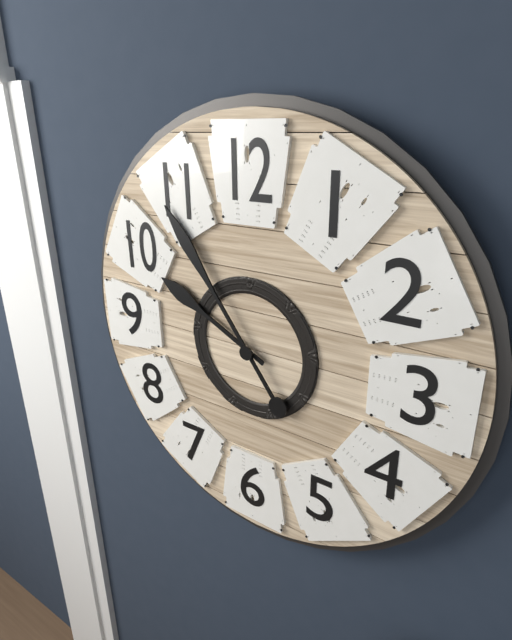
9:54
